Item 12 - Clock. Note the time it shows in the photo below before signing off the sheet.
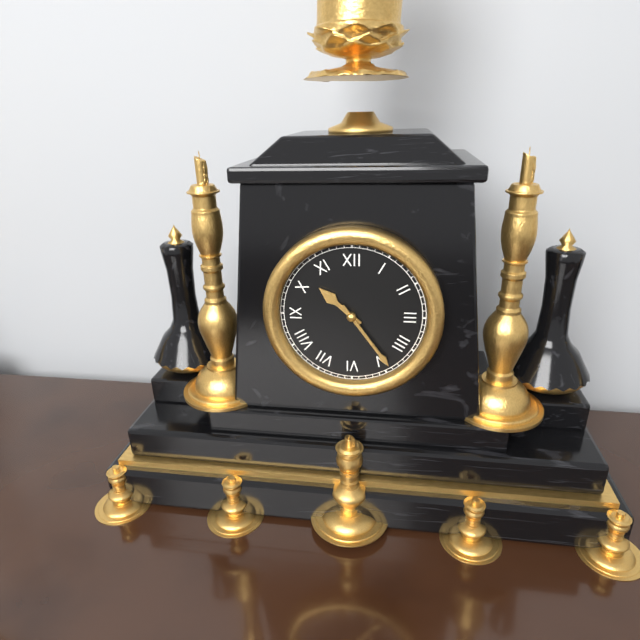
10:24
